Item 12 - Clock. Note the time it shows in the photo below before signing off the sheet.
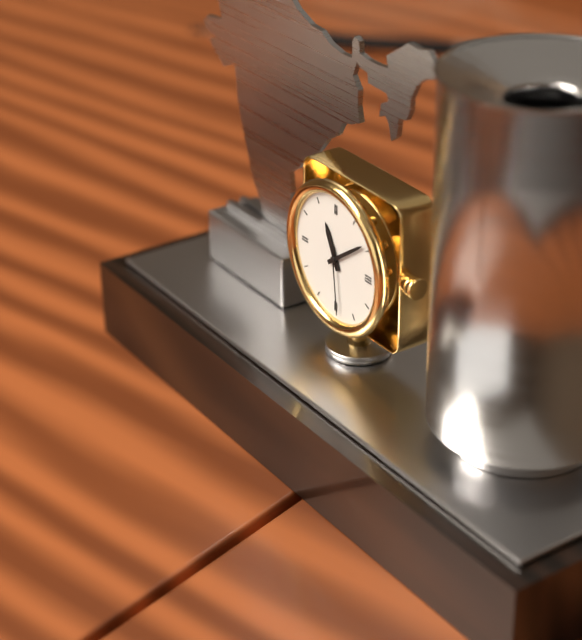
11:09:29
